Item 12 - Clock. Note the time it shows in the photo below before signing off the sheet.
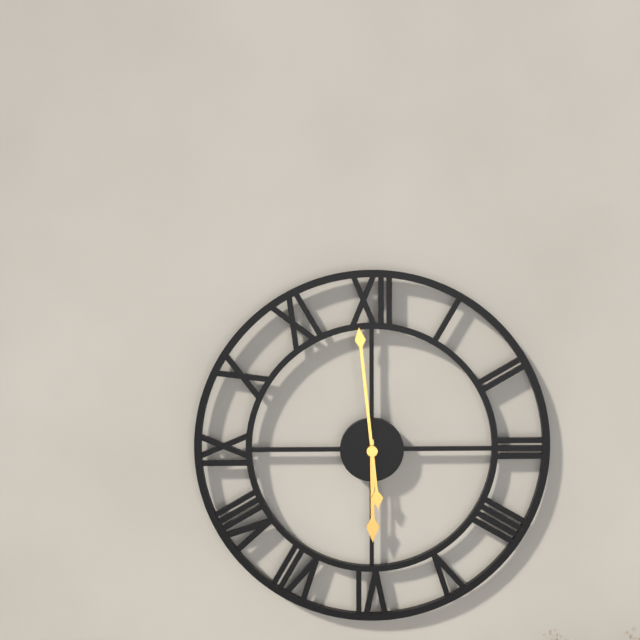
5:59
